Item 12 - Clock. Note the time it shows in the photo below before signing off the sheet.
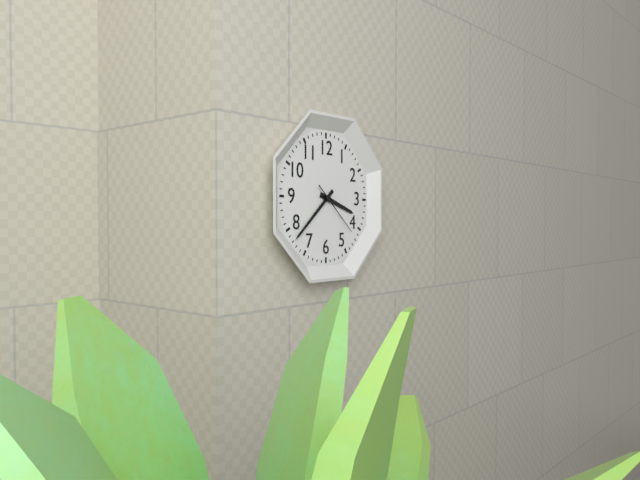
3:38:22
